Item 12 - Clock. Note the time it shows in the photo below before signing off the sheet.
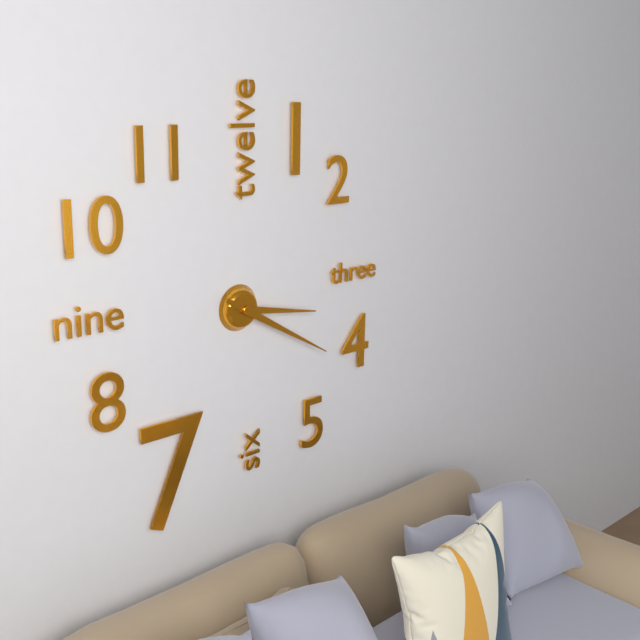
3:20
